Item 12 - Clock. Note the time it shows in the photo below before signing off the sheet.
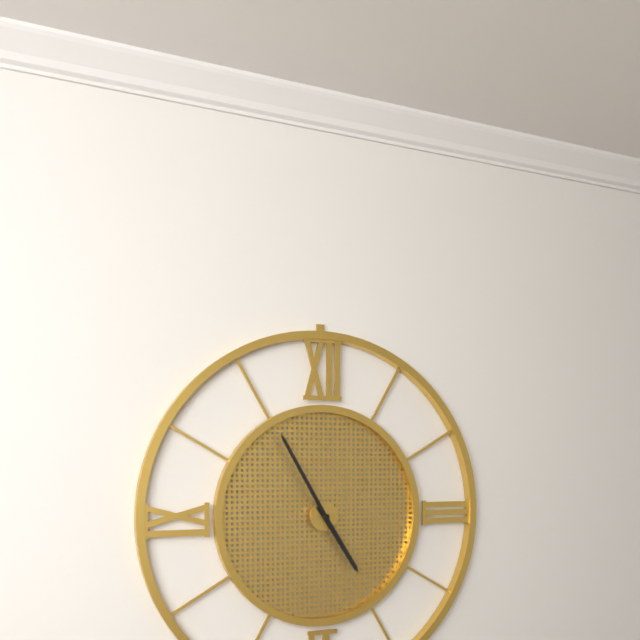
4:55
